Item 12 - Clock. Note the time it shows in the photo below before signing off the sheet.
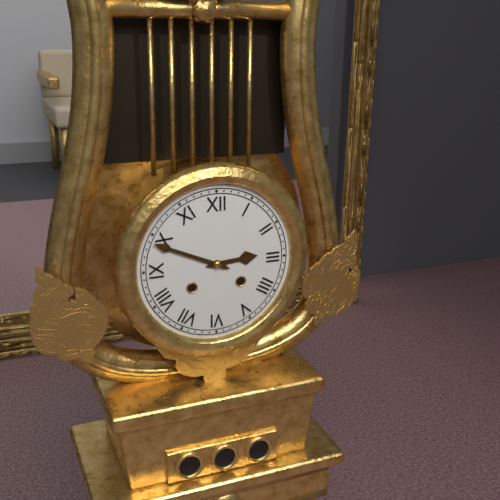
2:49
